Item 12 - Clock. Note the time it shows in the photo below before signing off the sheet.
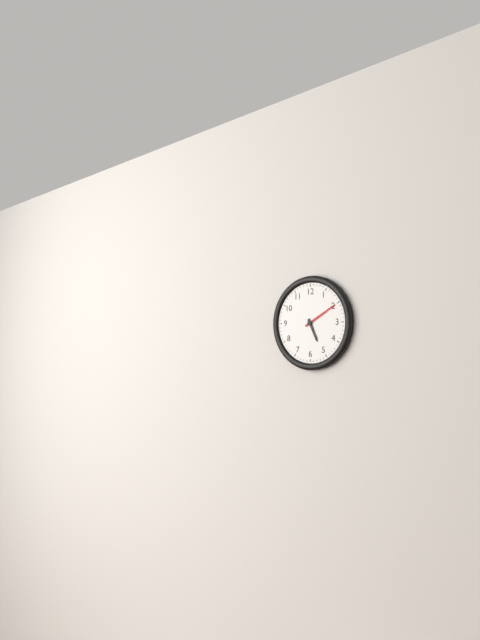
5:10
